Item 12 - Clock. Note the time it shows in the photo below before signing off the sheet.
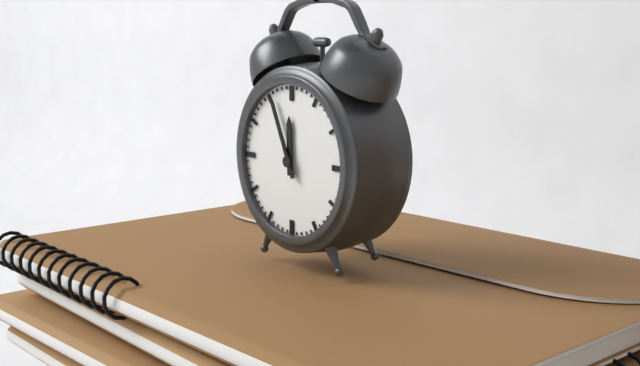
11:56
